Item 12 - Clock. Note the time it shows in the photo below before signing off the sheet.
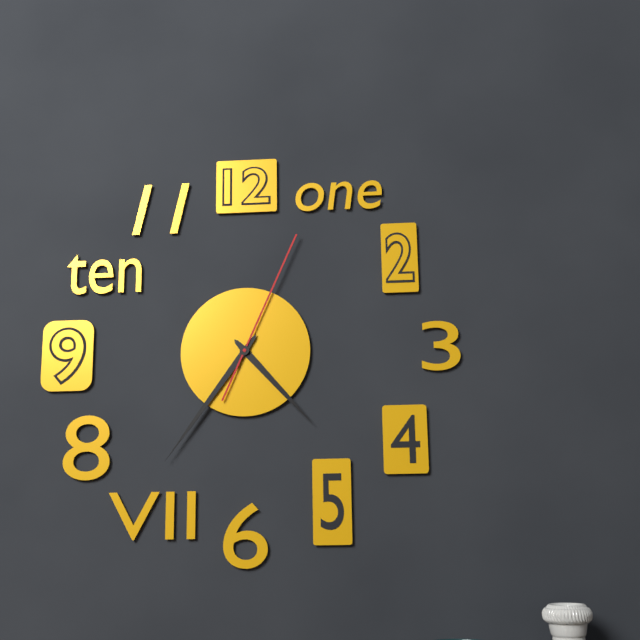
4:36:04
